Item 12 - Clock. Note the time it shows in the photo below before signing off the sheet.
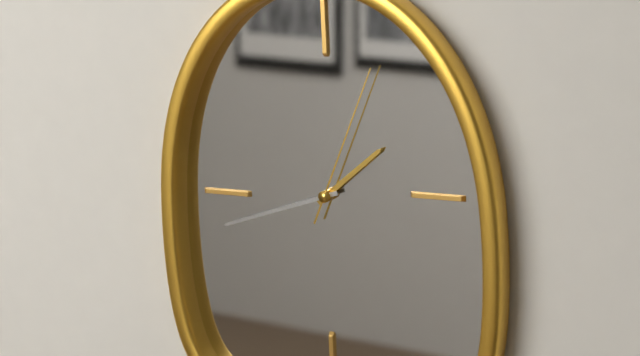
1:42:04
